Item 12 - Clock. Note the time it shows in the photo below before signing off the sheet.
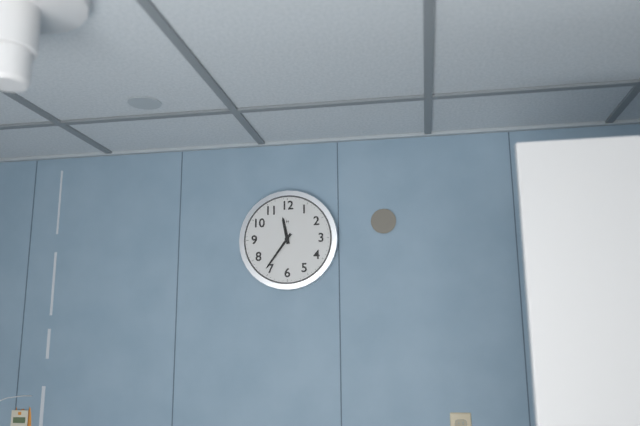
11:36
